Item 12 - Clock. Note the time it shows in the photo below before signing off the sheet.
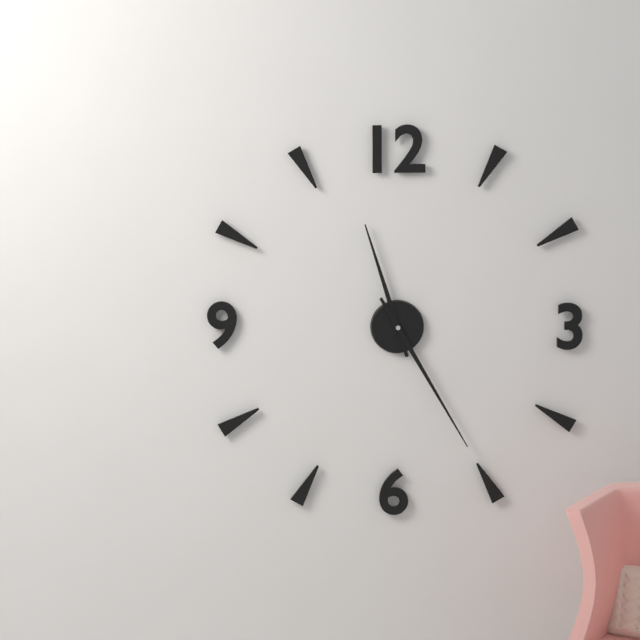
11:25
